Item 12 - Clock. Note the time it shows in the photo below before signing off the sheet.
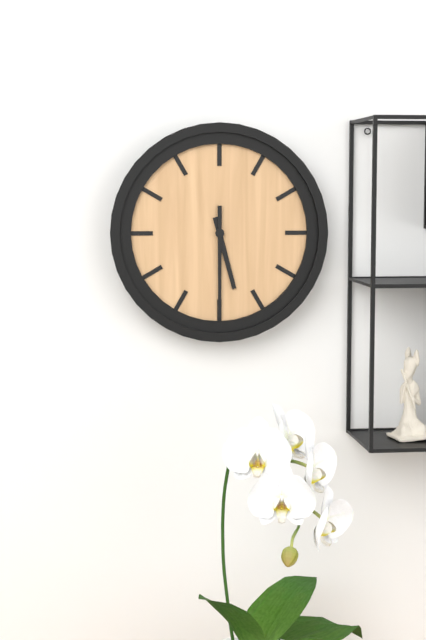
5:30
